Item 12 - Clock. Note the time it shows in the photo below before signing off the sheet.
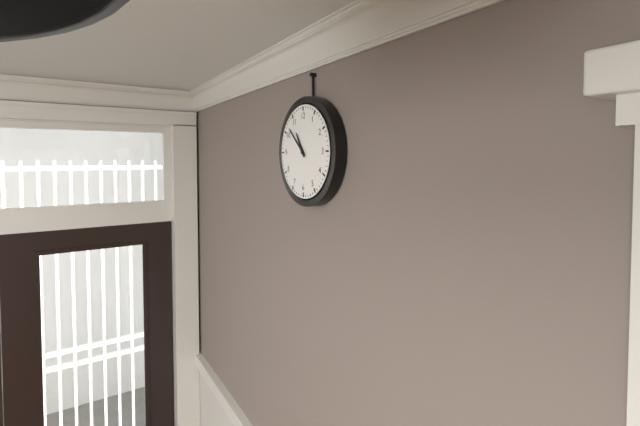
10:52
